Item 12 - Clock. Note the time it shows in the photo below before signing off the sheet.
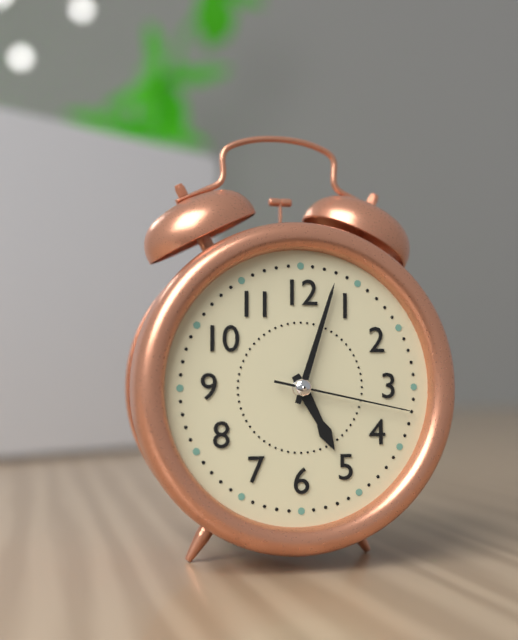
5:03:17
